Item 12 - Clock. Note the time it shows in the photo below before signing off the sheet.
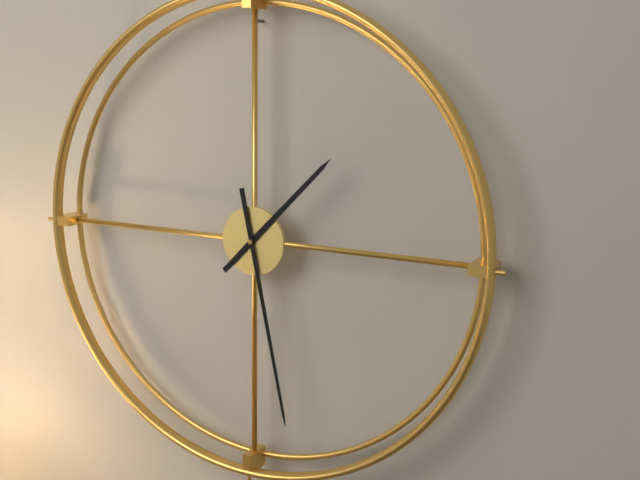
1:28
